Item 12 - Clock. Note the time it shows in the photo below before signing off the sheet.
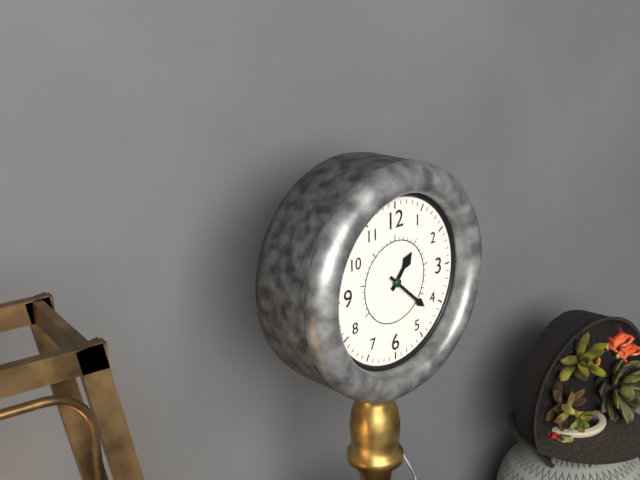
1:22
